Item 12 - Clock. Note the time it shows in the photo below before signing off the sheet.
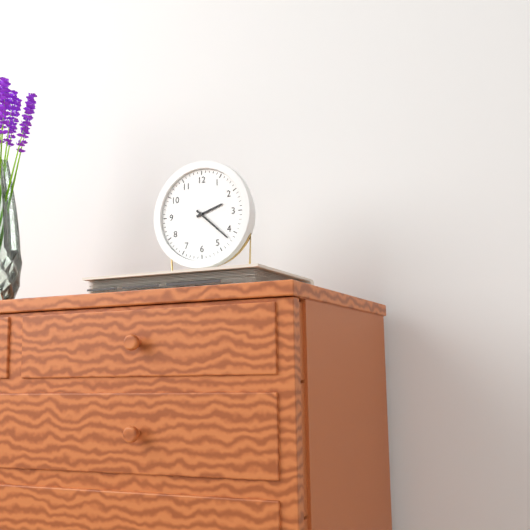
2:22
